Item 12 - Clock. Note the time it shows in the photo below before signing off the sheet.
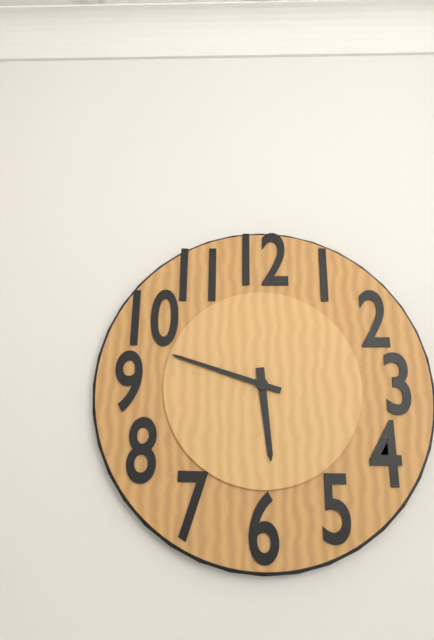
5:48
